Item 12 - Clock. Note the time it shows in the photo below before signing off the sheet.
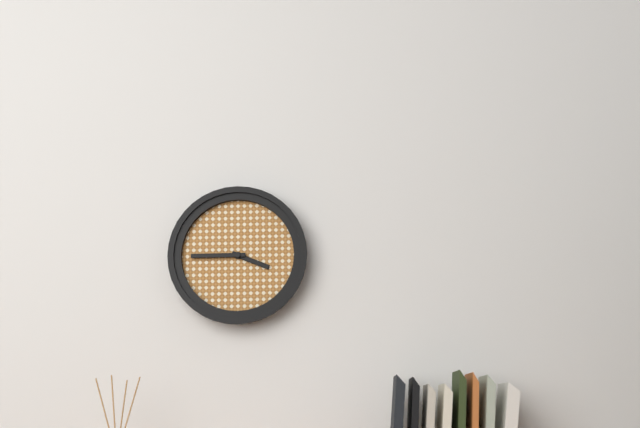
3:45
